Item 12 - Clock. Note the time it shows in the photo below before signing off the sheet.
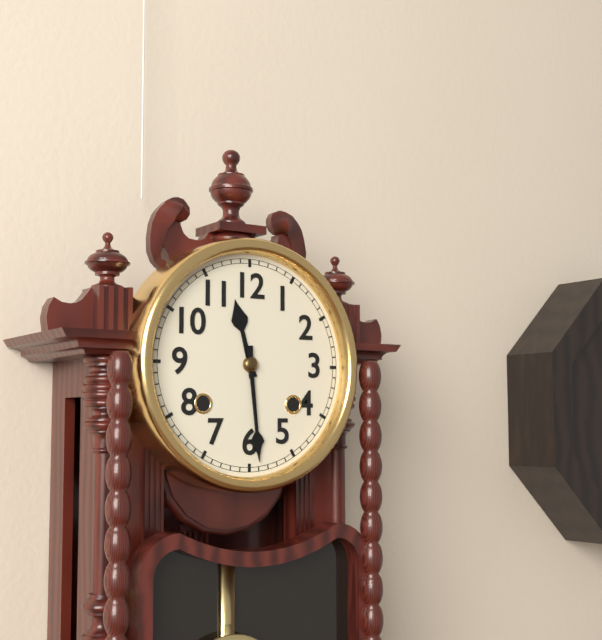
11:29
